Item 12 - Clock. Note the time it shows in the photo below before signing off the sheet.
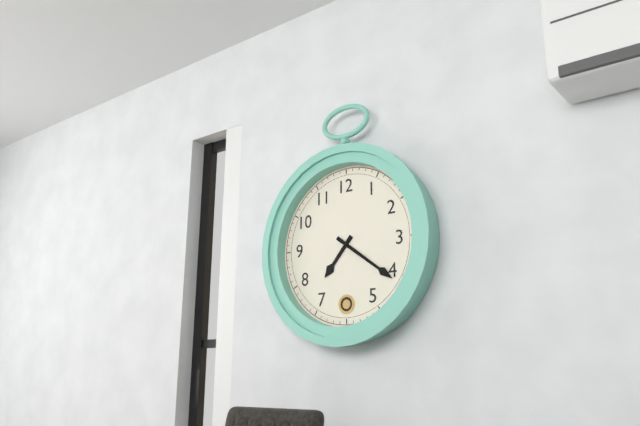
7:21
